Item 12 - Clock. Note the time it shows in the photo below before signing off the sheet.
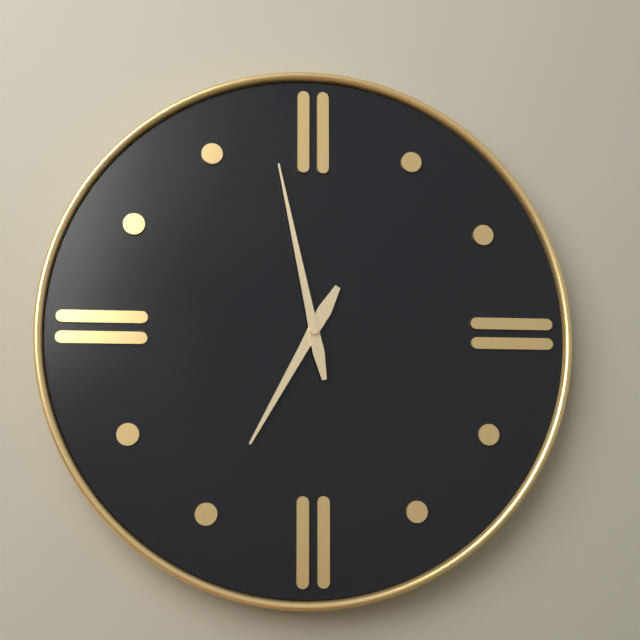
6:58
